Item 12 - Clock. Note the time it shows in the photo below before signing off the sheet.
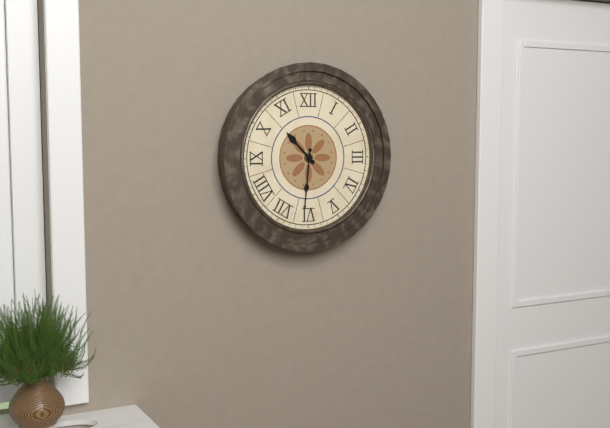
10:31
